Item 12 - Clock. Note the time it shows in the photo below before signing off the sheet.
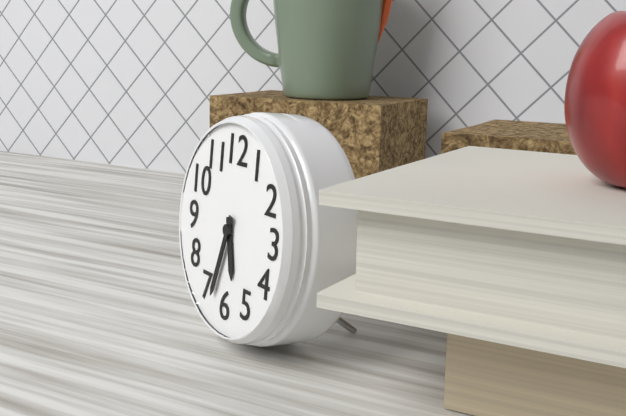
5:33
